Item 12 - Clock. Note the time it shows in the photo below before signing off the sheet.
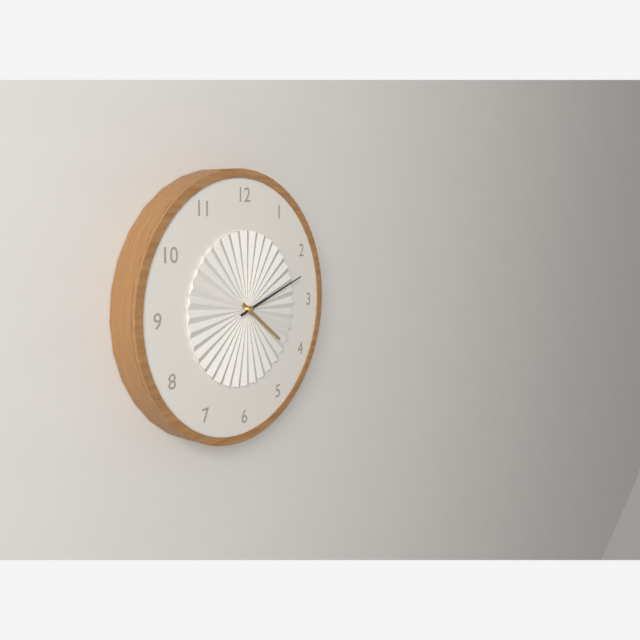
4:12
